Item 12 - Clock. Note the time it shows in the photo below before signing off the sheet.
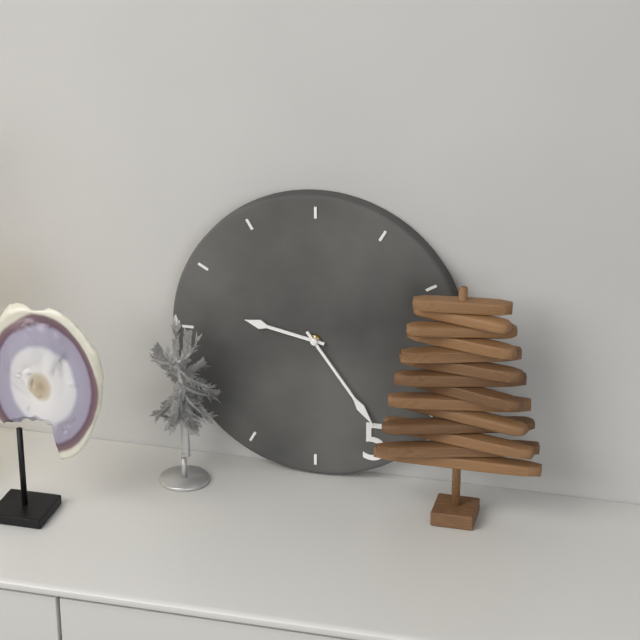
9:24
